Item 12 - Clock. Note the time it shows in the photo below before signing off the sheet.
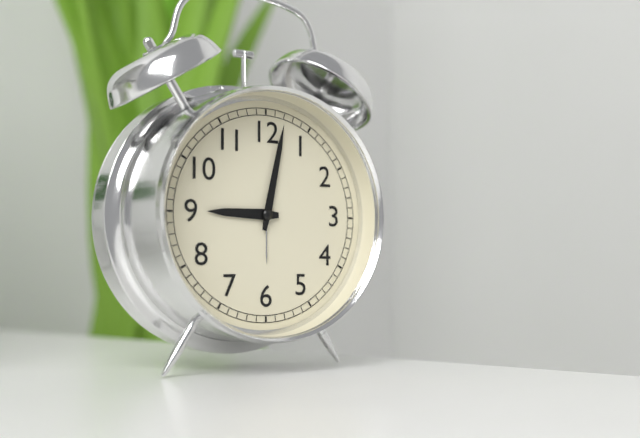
9:02
